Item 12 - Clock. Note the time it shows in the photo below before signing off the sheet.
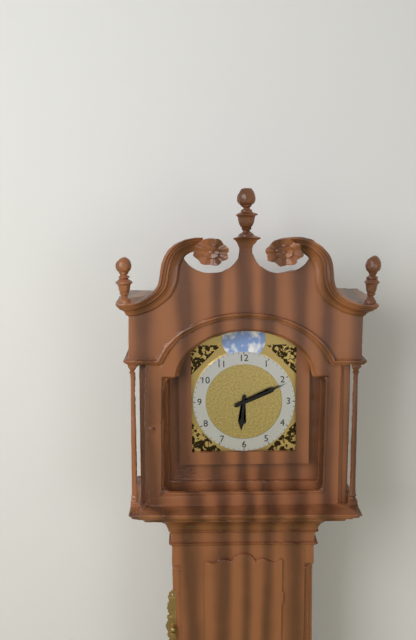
6:11
